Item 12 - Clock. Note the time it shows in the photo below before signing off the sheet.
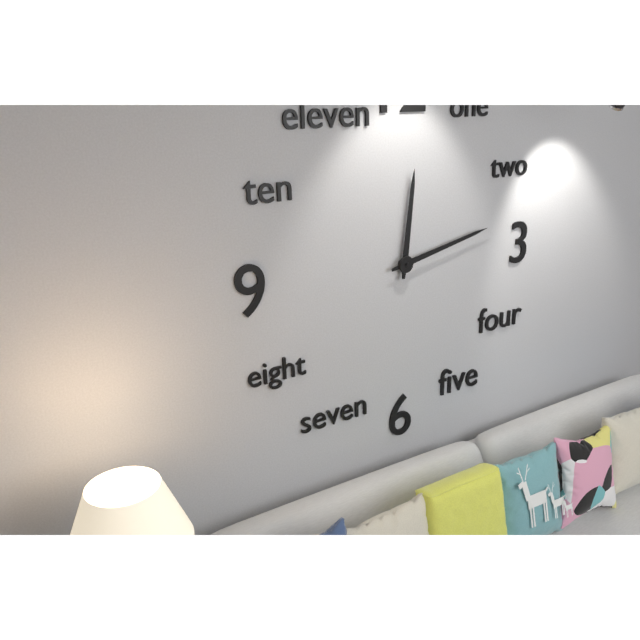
12:13
